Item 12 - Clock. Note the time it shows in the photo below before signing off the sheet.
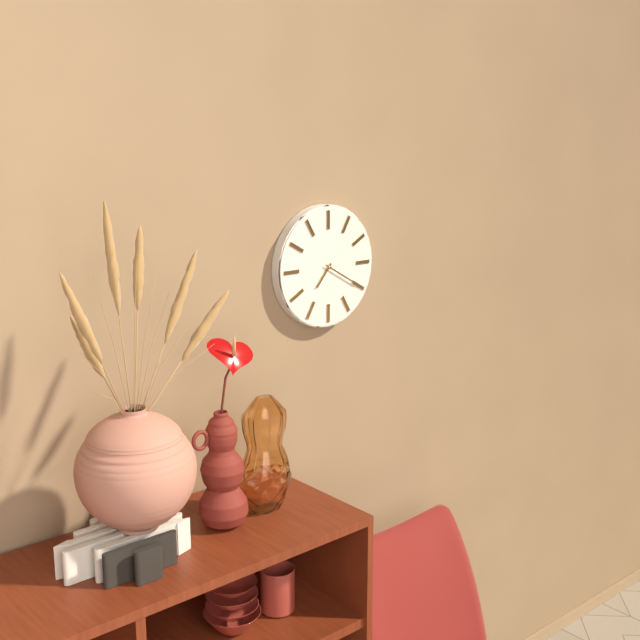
7:20
